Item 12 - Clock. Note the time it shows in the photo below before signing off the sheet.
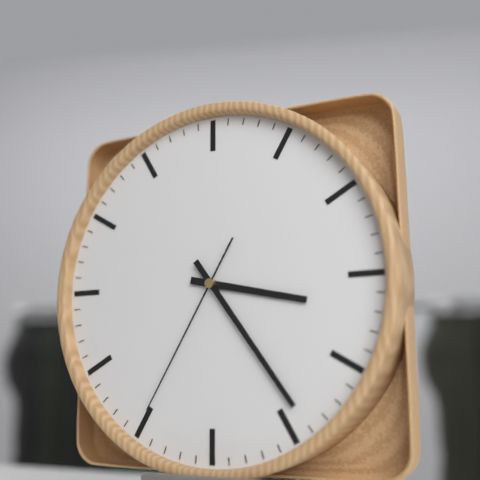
3:24:35
